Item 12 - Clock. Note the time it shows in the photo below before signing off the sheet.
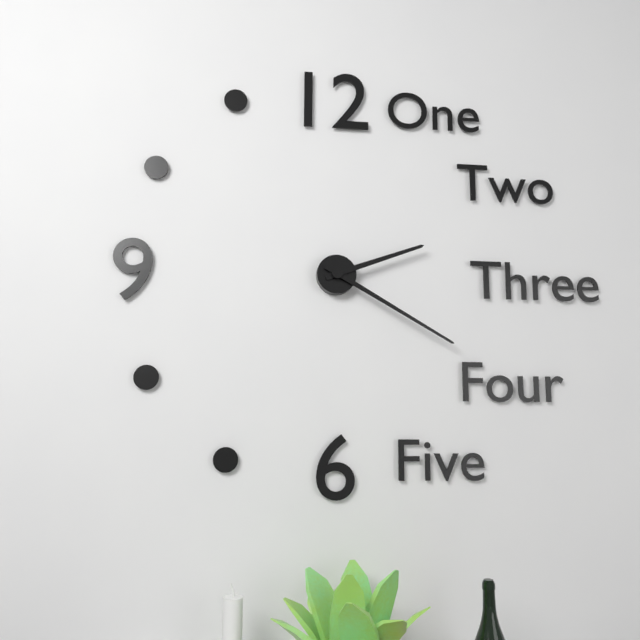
2:20
